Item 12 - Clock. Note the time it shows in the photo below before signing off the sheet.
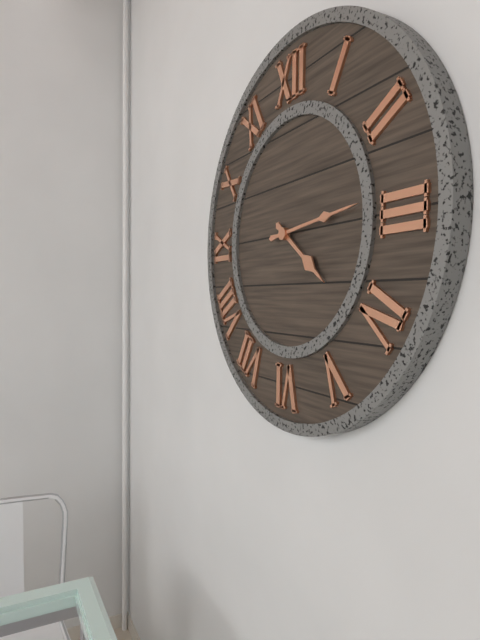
4:14
